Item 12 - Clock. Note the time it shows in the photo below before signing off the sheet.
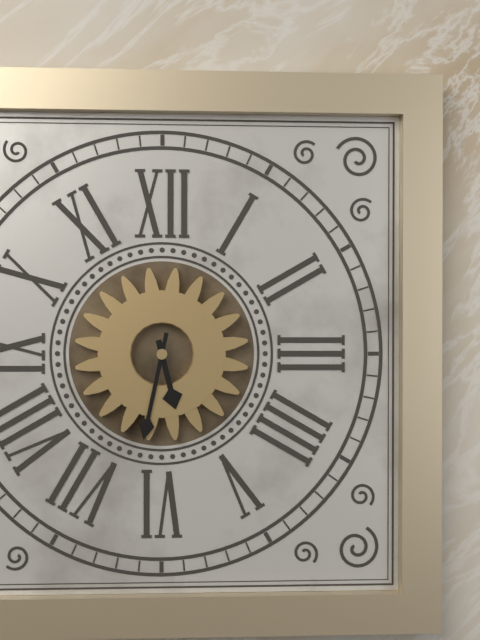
5:32
